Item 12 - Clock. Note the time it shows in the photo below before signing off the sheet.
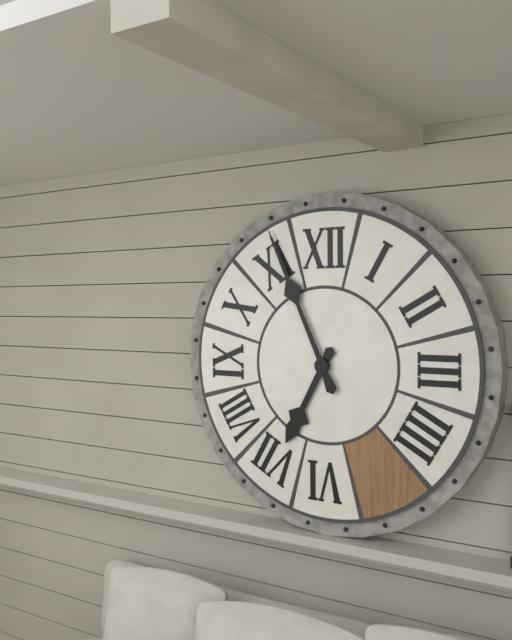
6:56
